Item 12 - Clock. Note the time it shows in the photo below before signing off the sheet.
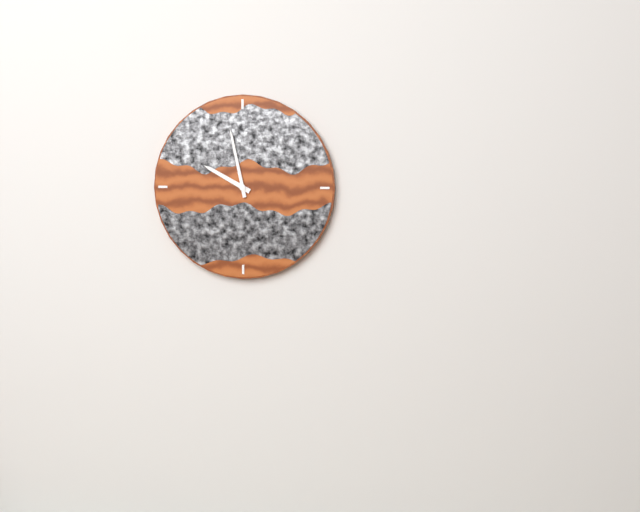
9:58
